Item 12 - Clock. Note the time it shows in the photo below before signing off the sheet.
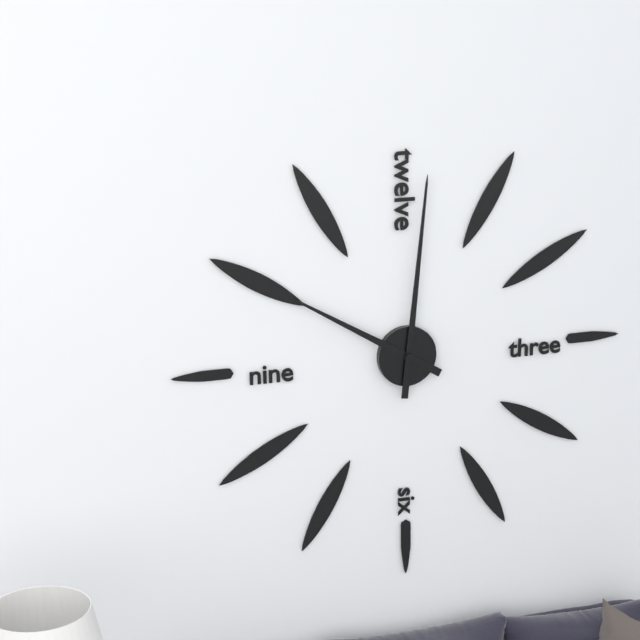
10:01
